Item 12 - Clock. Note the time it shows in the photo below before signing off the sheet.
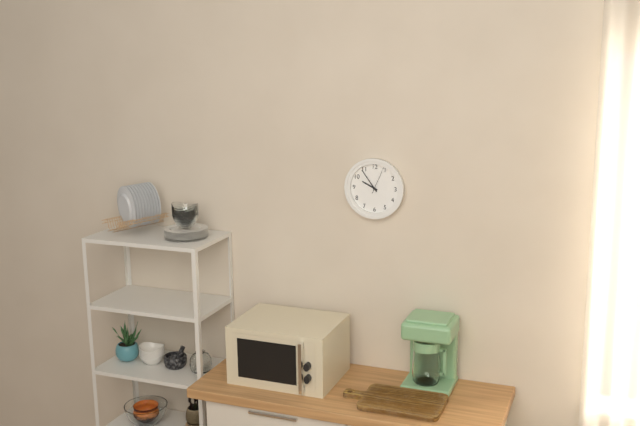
9:54
